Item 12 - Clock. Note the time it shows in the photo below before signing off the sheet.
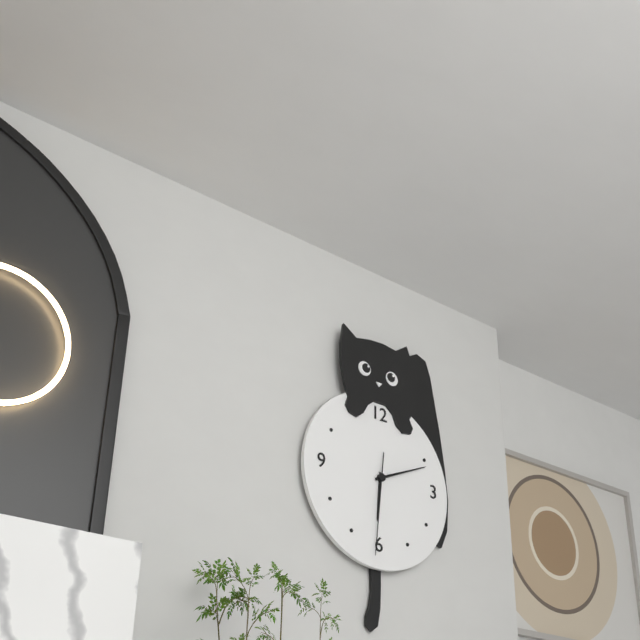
6:11:31
